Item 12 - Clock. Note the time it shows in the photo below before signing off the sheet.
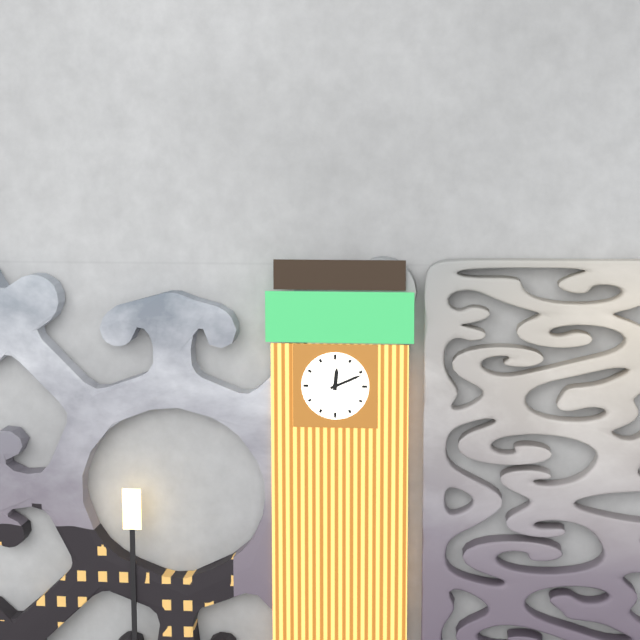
12:11
